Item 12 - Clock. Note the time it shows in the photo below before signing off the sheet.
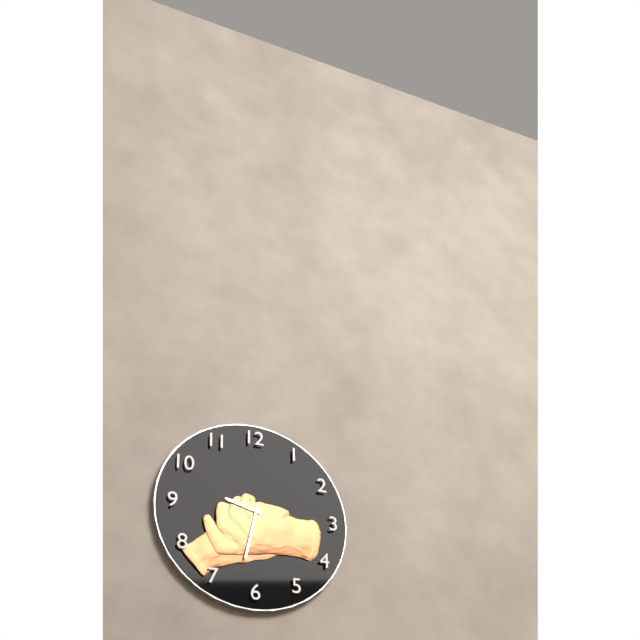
9:32
